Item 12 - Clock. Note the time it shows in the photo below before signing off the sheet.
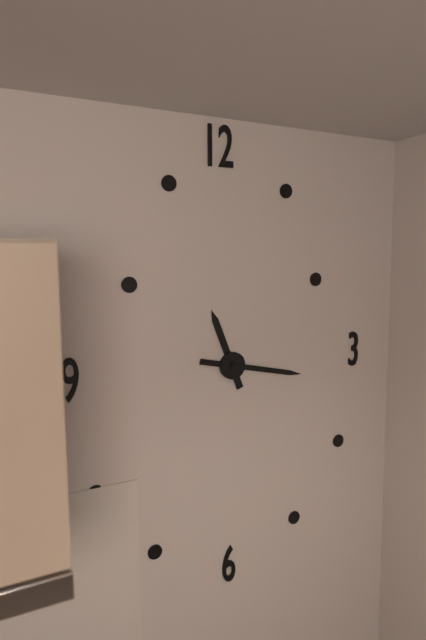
11:17
